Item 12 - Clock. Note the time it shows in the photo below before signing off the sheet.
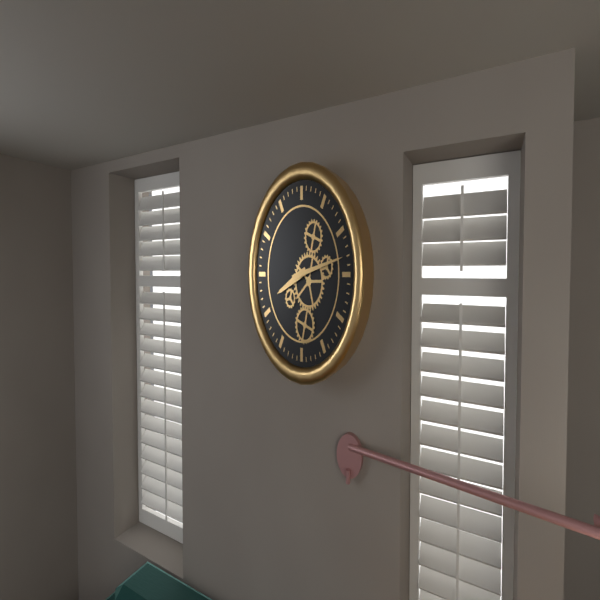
8:13
